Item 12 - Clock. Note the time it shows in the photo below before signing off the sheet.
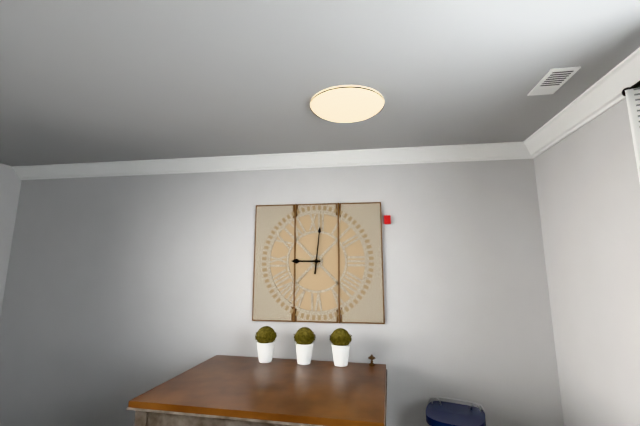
9:01
